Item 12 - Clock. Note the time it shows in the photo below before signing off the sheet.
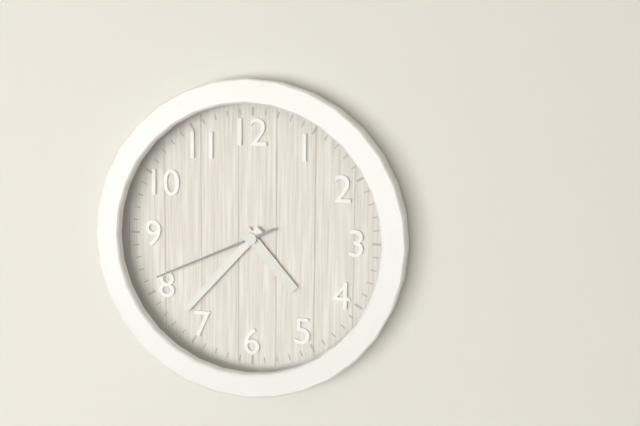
4:37:41
